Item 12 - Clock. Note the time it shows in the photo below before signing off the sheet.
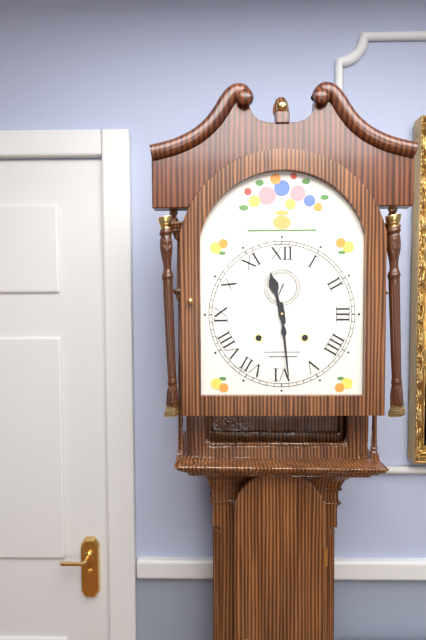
11:29
